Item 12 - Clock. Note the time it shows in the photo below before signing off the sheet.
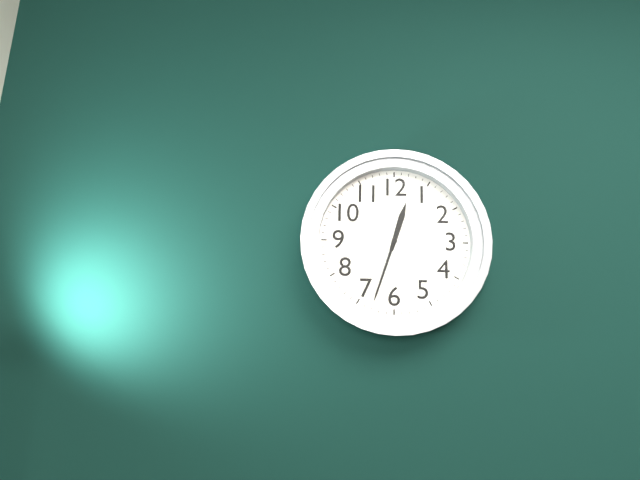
12:33
